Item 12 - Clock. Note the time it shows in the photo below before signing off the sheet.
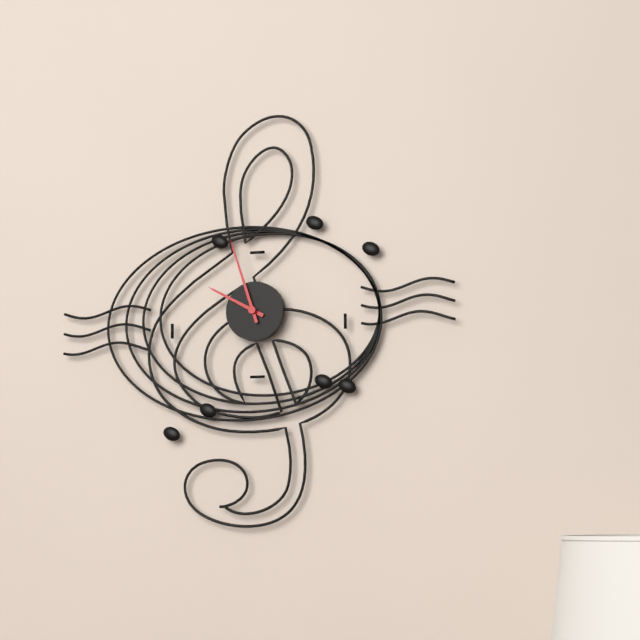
9:57
